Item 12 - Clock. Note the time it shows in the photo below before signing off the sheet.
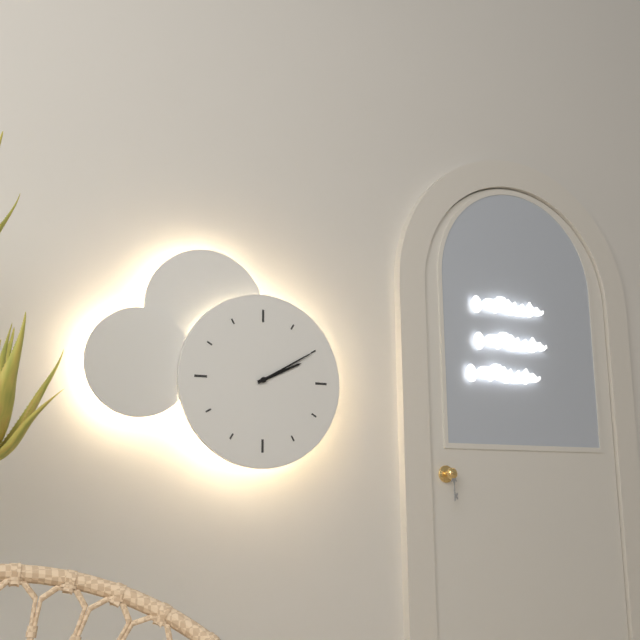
2:10
